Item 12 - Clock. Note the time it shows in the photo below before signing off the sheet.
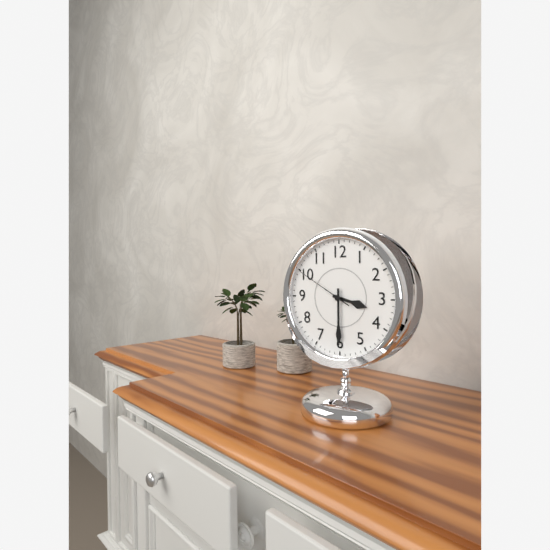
3:30:50
